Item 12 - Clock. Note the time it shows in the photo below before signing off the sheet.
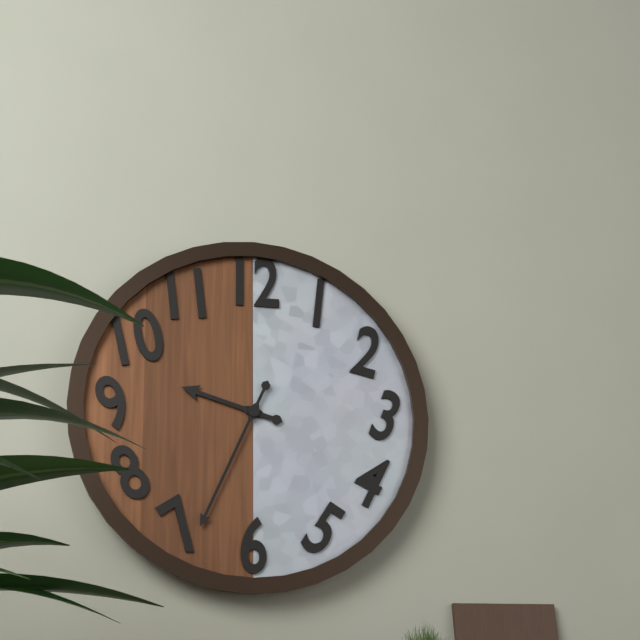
9:34
